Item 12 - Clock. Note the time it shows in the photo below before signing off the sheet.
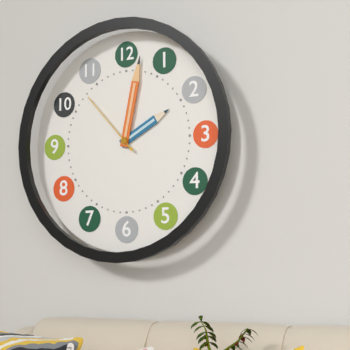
2:02:53
